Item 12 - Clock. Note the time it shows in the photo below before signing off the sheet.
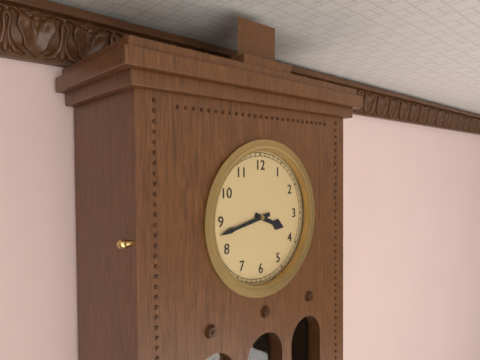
3:43
